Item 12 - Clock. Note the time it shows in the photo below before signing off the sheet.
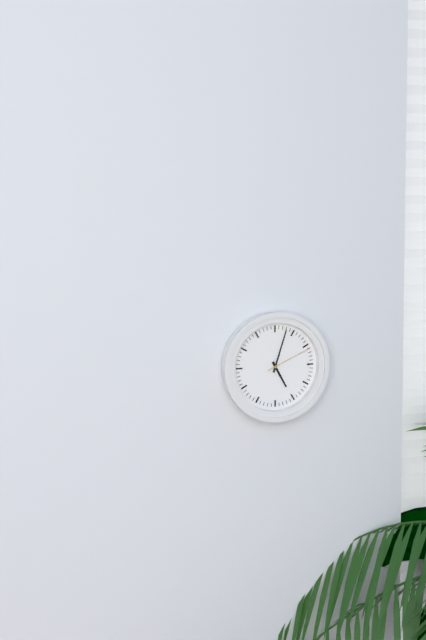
5:03
